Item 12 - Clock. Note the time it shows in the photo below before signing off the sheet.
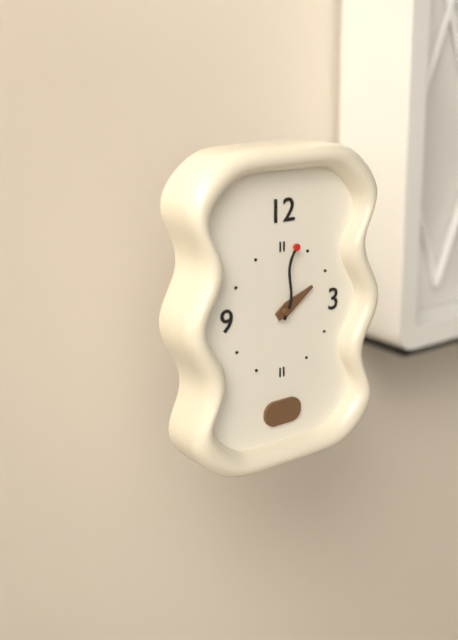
2:02
